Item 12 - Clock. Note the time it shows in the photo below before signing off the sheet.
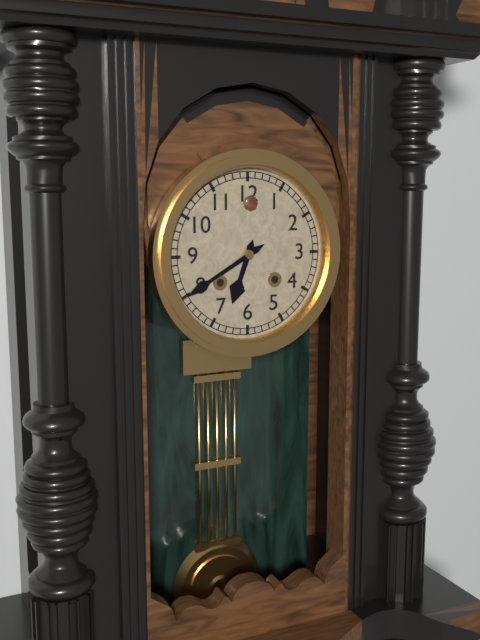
6:40
